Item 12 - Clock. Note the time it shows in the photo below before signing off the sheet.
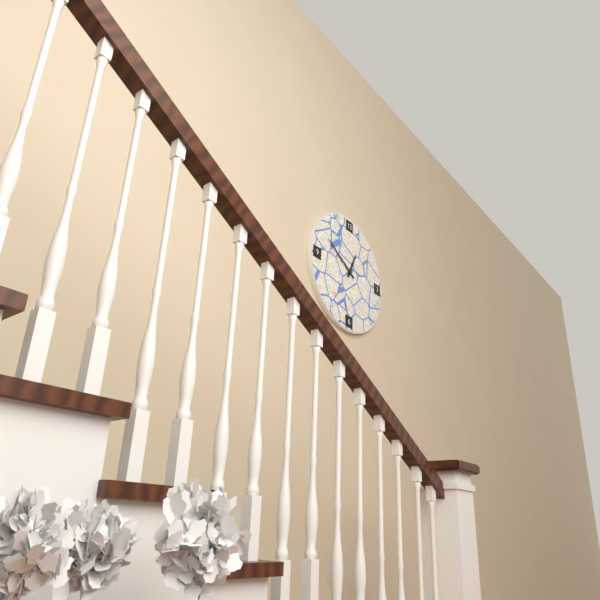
12:50
